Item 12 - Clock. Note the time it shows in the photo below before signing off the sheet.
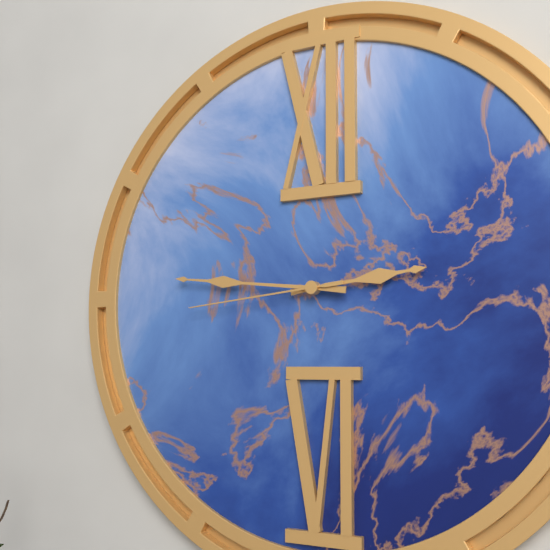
2:46:44
